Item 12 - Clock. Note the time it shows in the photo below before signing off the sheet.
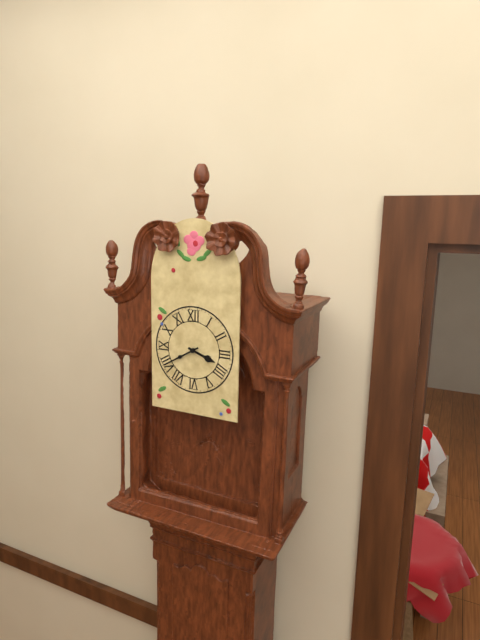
3:40
